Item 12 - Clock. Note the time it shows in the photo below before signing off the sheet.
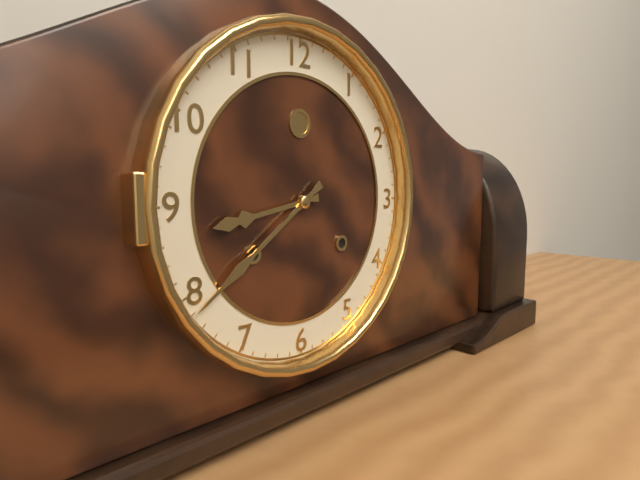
8:39
